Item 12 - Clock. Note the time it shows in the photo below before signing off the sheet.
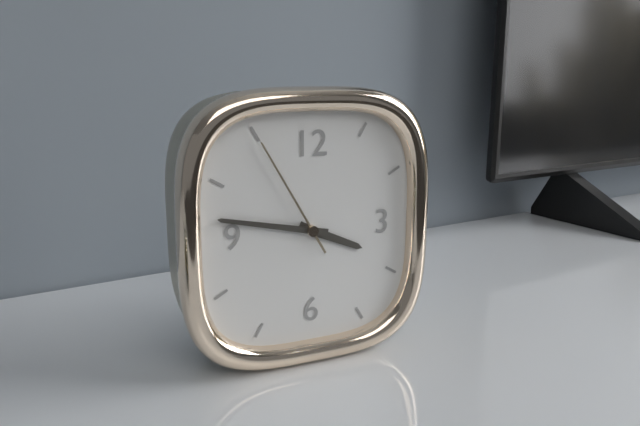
3:47:55
